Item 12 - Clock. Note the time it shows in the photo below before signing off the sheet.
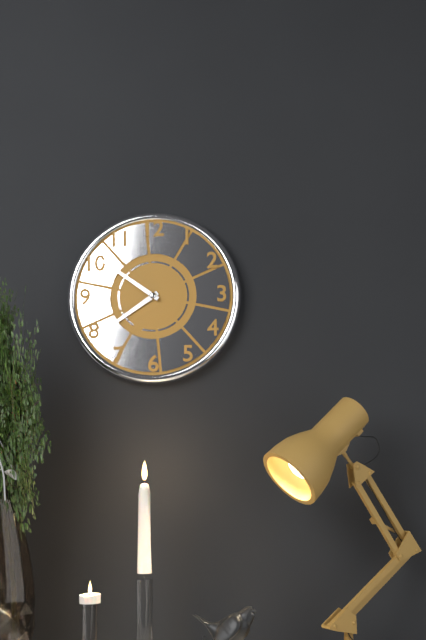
7:51
